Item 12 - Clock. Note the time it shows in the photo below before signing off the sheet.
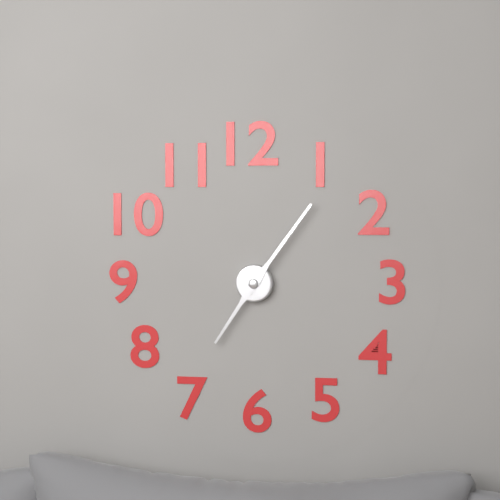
7:06
